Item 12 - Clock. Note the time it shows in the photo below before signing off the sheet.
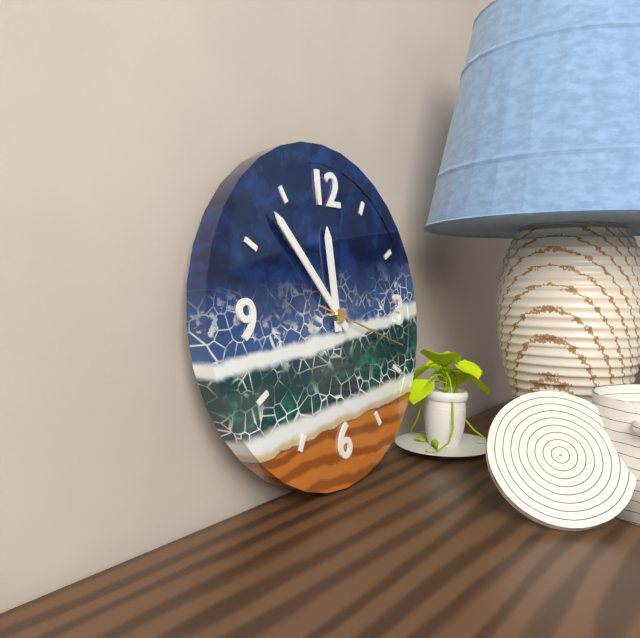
11:53:18
